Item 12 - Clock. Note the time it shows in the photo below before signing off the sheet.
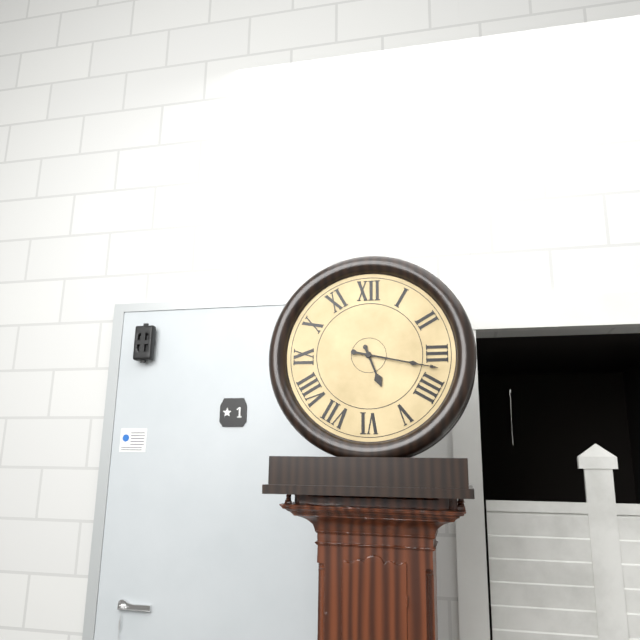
5:17
